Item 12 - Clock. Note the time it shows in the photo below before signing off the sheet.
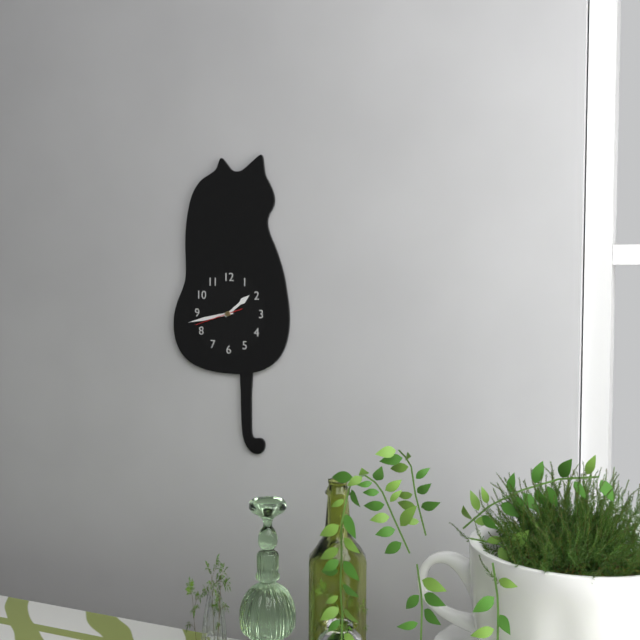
1:43
